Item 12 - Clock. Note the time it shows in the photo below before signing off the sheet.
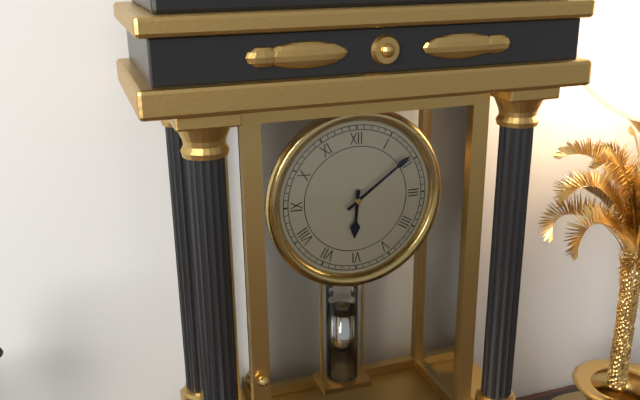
6:09
